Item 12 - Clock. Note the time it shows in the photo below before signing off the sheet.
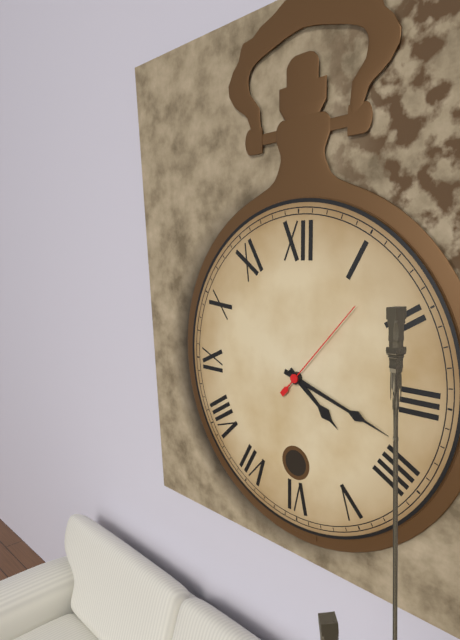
4:18:07
